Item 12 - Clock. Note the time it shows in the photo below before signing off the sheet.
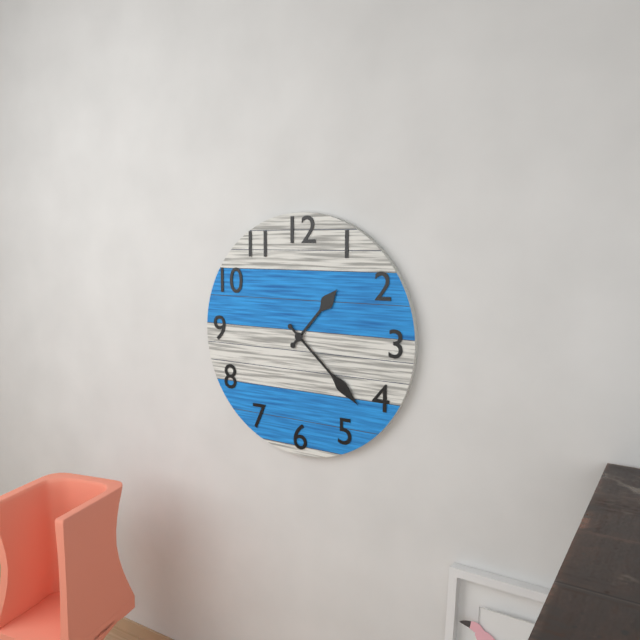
1:22
